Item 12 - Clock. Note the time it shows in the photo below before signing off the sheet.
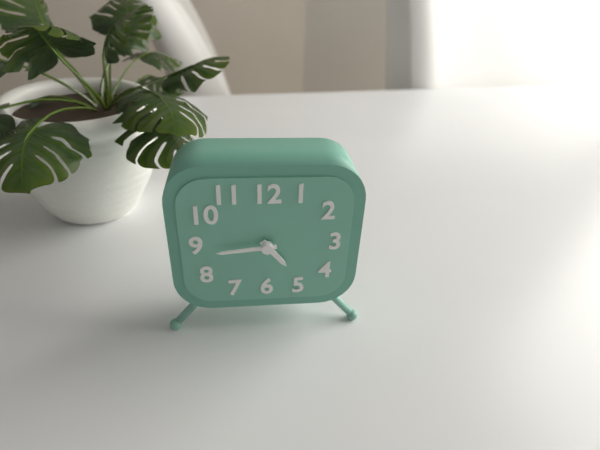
4:44
